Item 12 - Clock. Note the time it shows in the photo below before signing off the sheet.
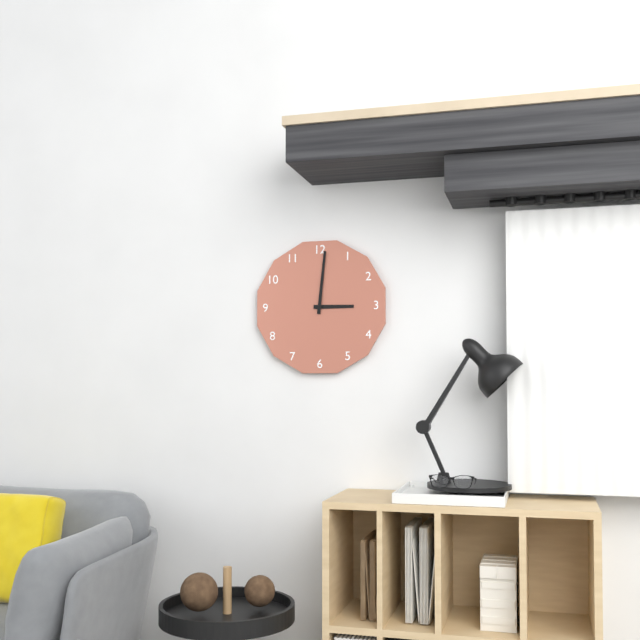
3:01
